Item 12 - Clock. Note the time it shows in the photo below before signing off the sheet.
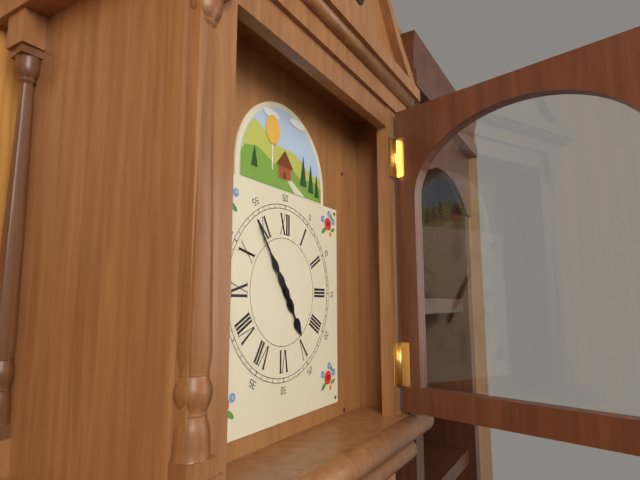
4:54
